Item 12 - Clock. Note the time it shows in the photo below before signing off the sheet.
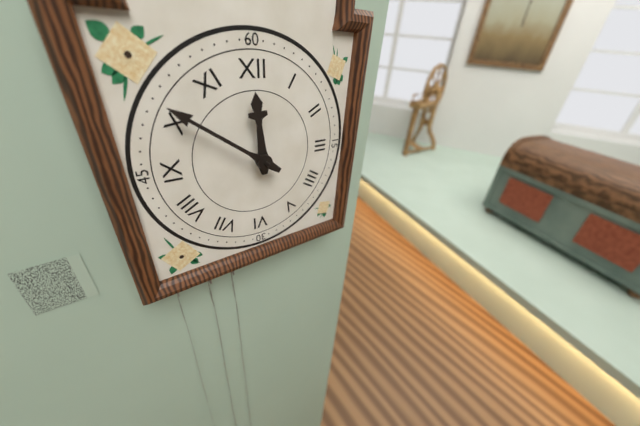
11:51
